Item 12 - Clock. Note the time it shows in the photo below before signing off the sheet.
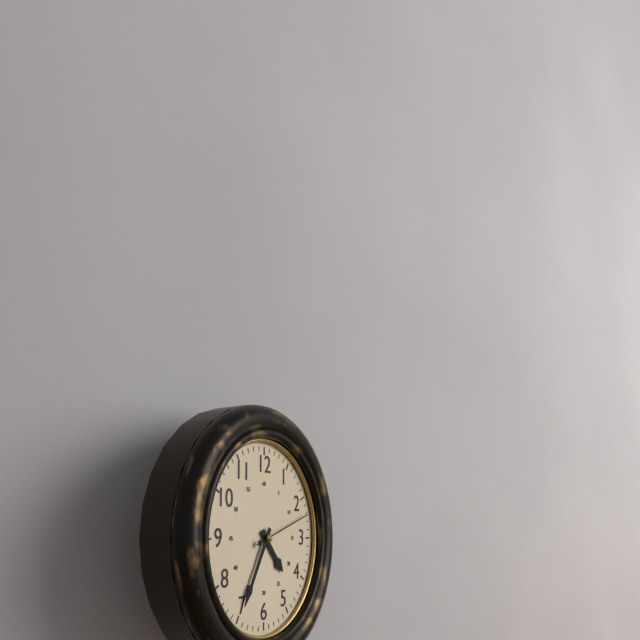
4:35:12
